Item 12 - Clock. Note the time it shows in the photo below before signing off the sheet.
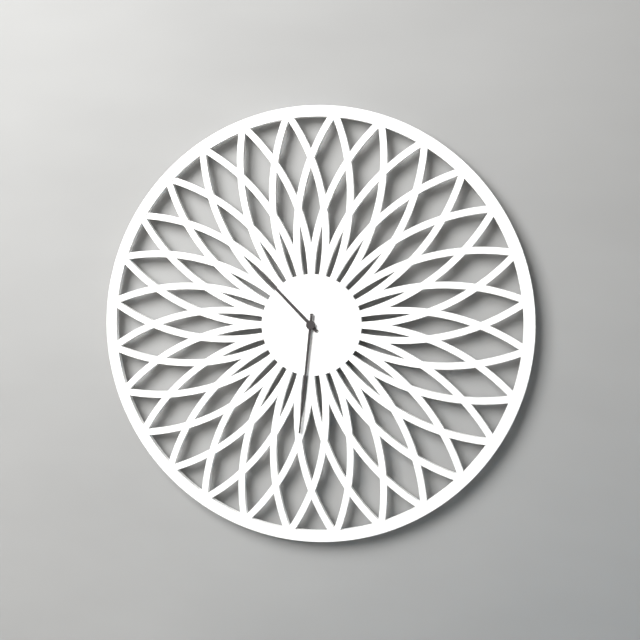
10:31
